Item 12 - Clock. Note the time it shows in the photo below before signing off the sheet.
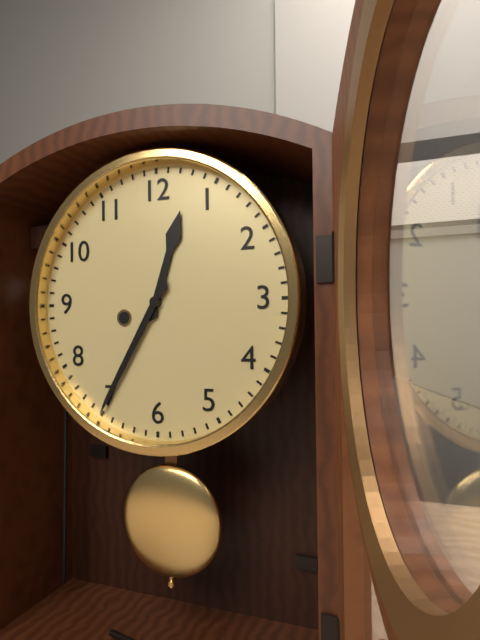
12:35
